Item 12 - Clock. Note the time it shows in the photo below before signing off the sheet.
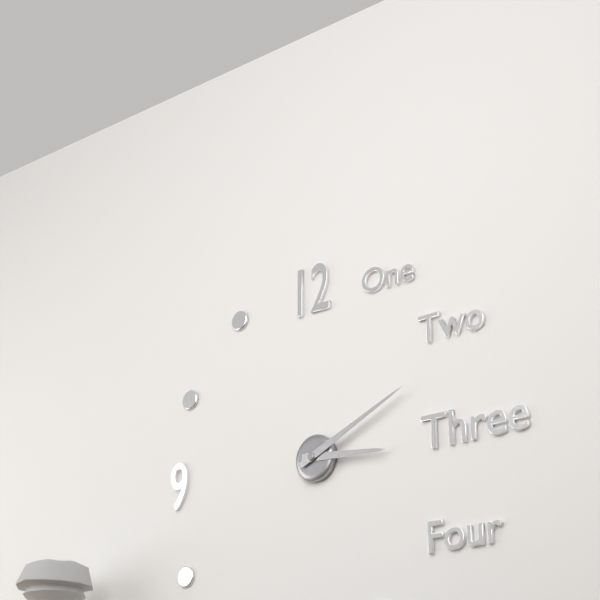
3:11
